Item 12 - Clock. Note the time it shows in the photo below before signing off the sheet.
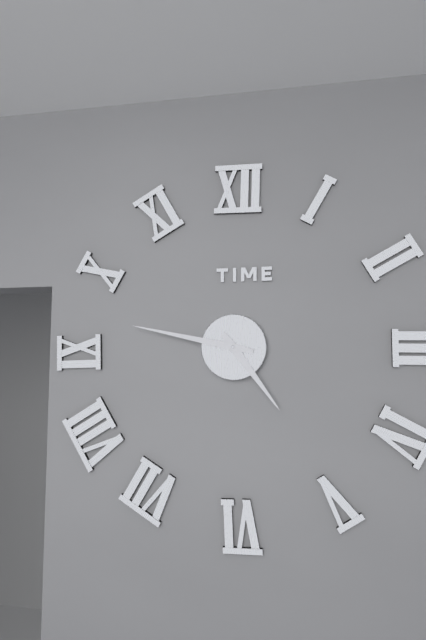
4:47
